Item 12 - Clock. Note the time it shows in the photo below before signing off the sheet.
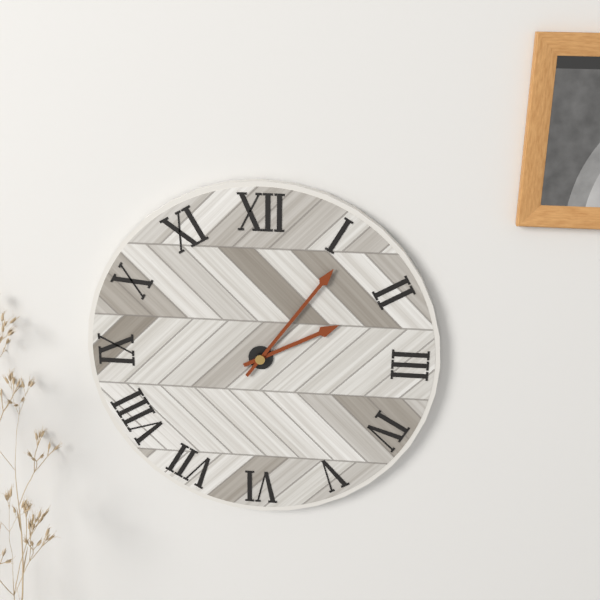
2:06
